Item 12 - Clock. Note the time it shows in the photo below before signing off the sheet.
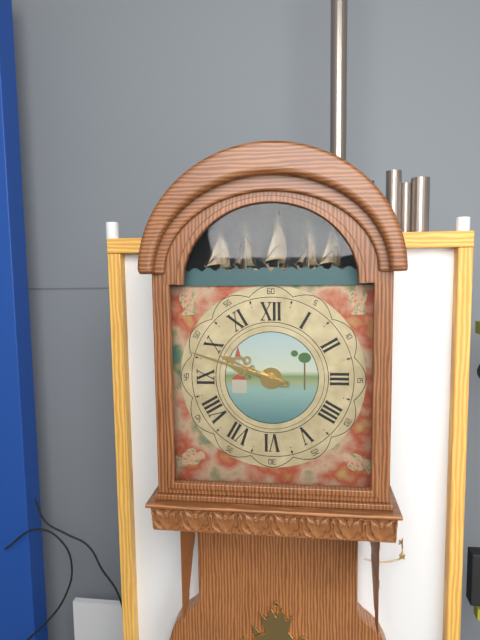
9:48
